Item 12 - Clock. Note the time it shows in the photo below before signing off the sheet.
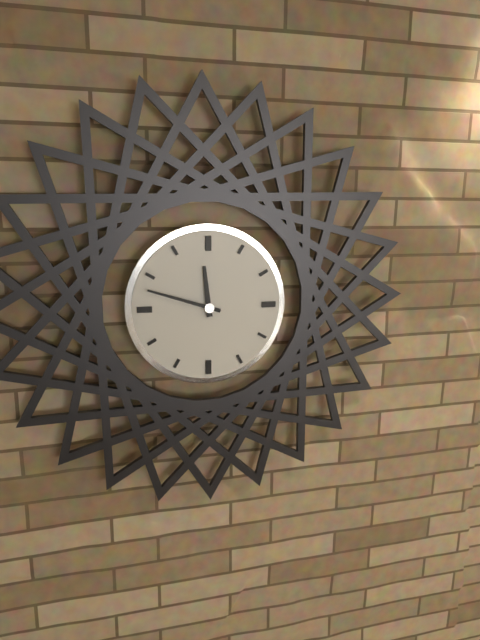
11:48
